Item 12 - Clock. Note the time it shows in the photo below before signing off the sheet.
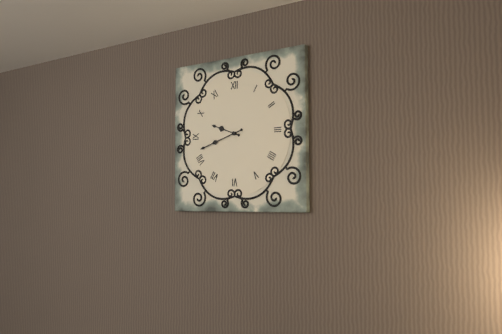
9:42
